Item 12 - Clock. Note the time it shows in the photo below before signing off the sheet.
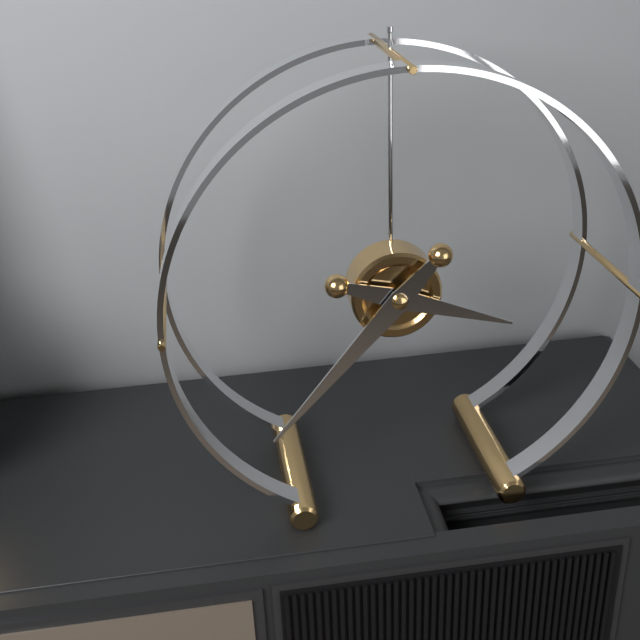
3:37
